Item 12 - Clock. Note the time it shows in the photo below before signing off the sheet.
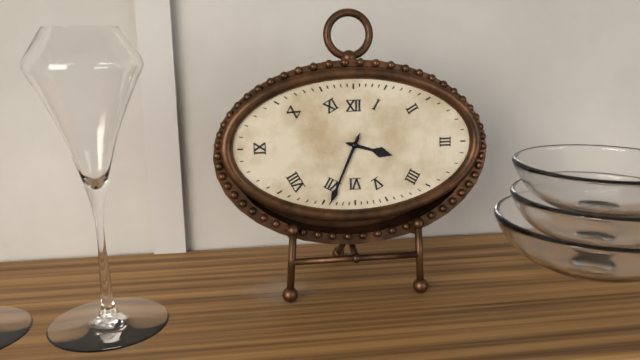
3:34
